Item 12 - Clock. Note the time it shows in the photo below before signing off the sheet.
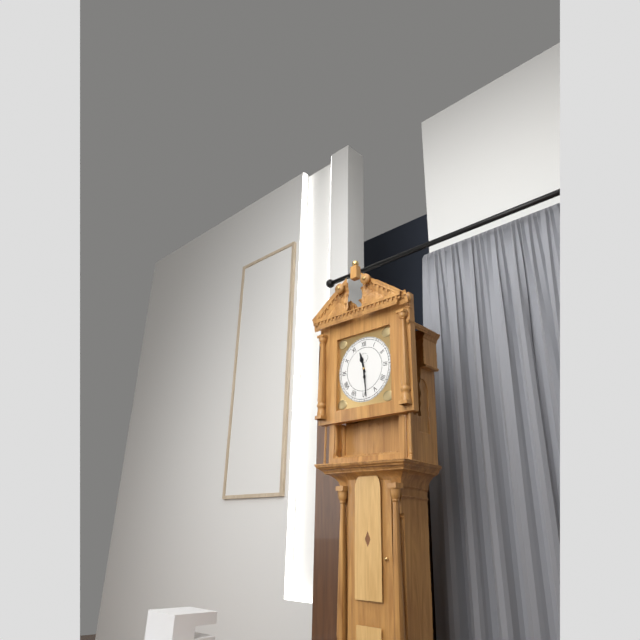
11:29
